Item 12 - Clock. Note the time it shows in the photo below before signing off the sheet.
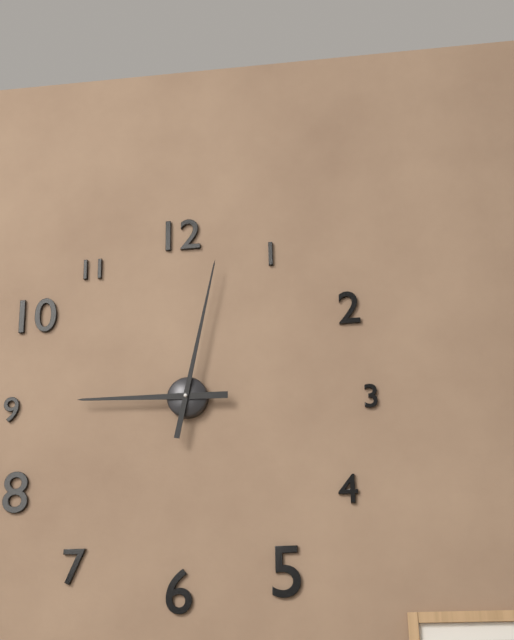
9:02
